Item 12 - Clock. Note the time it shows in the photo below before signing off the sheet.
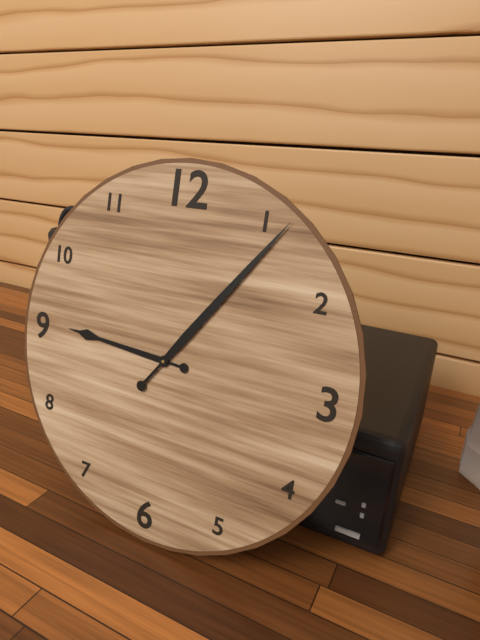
9:06
